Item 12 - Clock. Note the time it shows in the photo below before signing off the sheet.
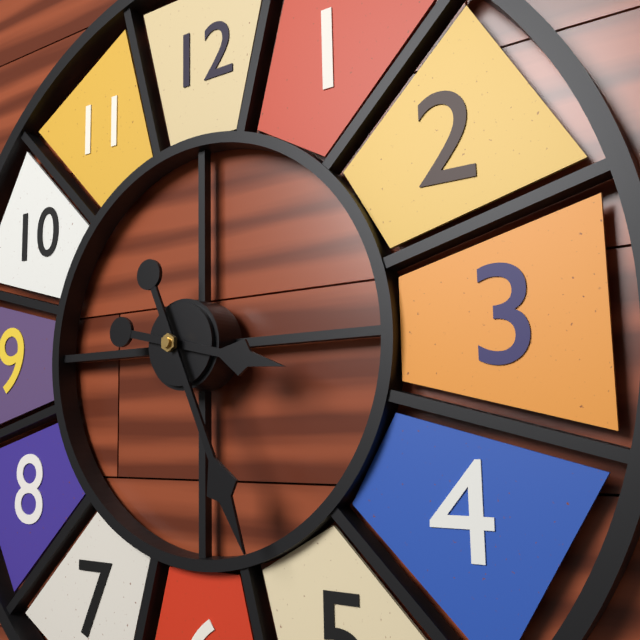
3:26
